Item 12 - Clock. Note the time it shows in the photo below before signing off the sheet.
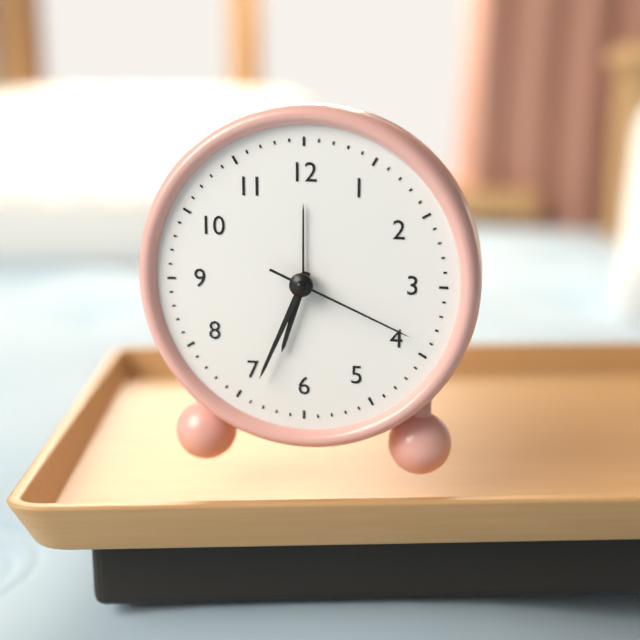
6:34:19
